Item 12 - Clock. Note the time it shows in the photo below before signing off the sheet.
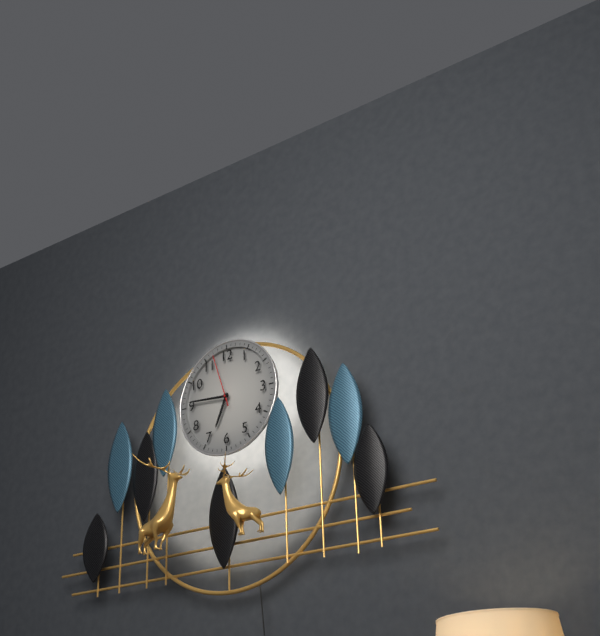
6:46:57
